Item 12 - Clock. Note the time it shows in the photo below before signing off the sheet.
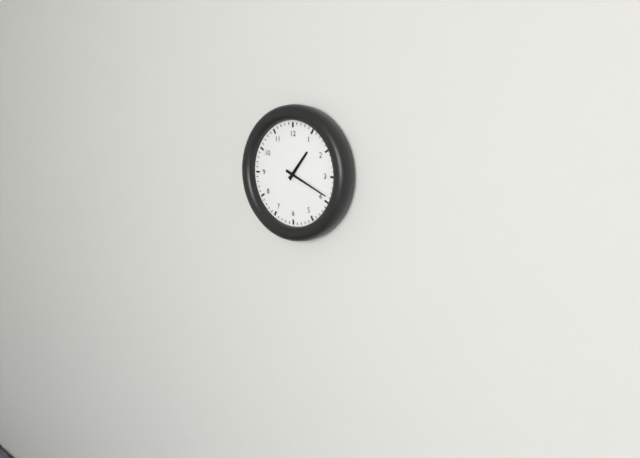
1:19
